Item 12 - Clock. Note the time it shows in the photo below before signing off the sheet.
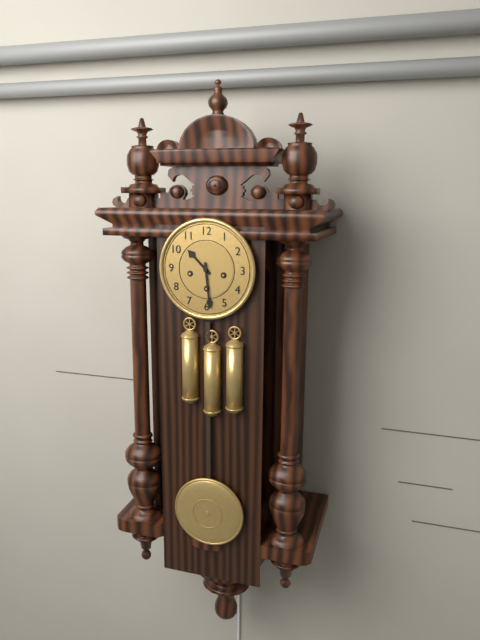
10:29
